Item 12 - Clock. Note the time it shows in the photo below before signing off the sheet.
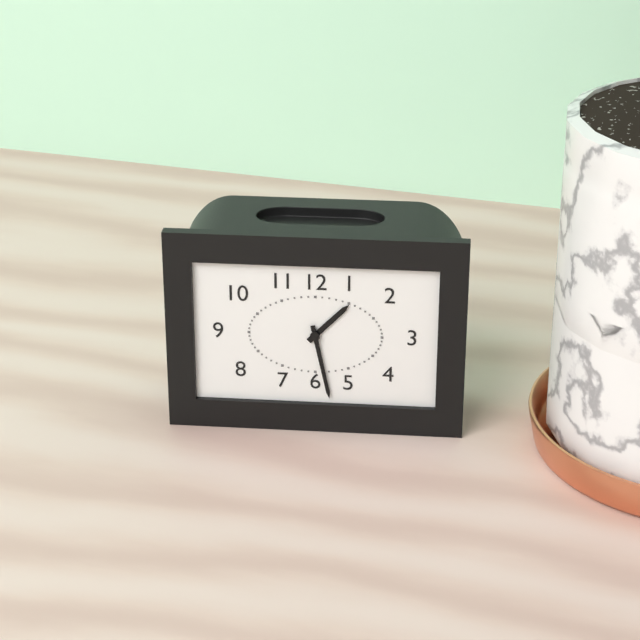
1:28
